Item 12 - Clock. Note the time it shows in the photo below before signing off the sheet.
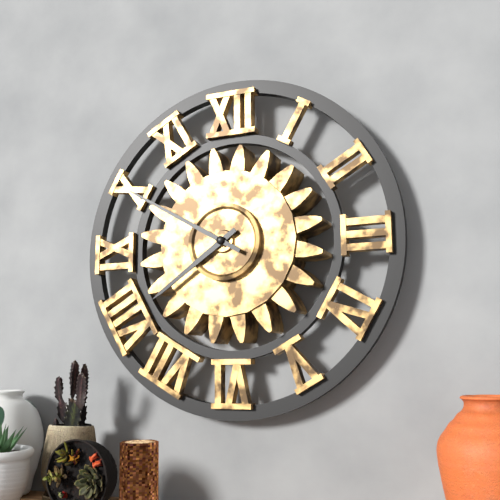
7:50
